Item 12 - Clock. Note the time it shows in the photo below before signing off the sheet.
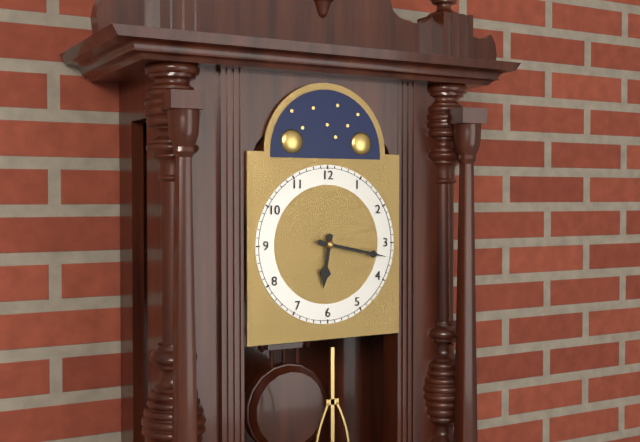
6:17
